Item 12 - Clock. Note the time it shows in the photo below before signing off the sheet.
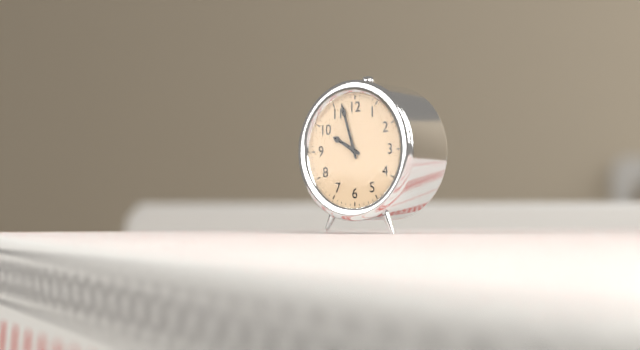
9:57
